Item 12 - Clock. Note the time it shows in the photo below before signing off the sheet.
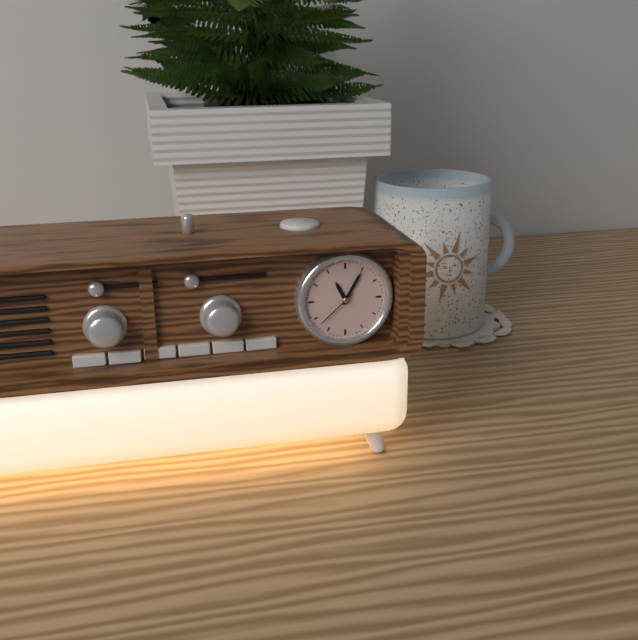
11:05
